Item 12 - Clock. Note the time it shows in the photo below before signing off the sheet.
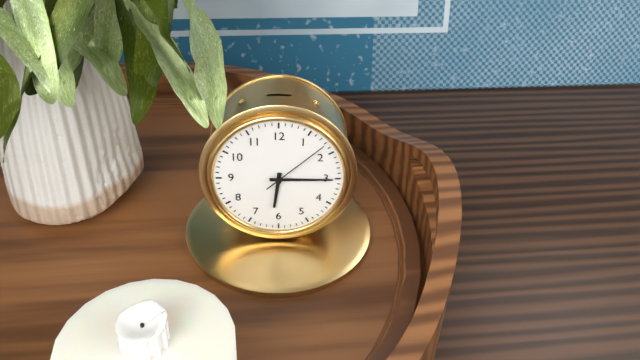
6:15:08
